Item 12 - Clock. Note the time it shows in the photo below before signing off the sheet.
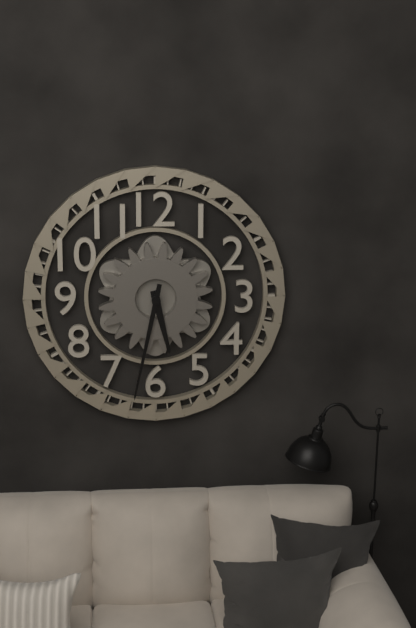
5:32
